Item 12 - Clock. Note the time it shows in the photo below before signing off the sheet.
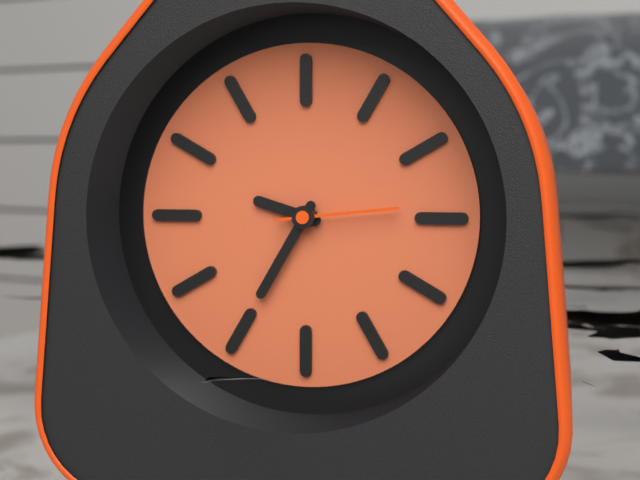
9:35:14
